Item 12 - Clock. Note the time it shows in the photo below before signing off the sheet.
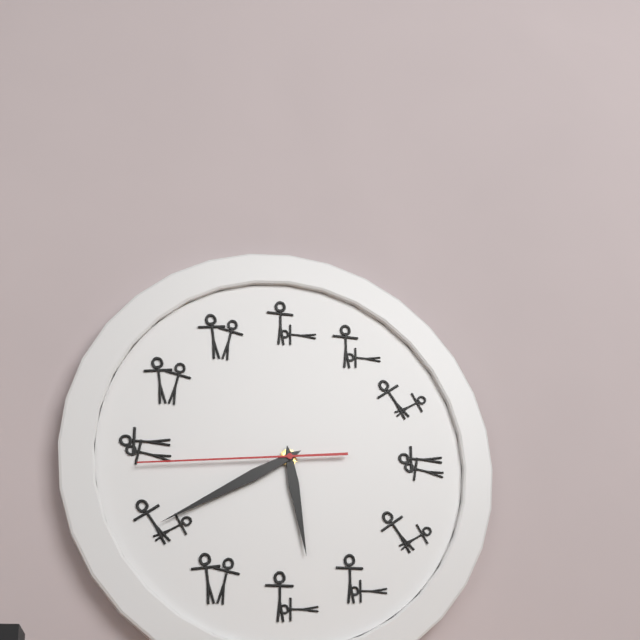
5:40:44
